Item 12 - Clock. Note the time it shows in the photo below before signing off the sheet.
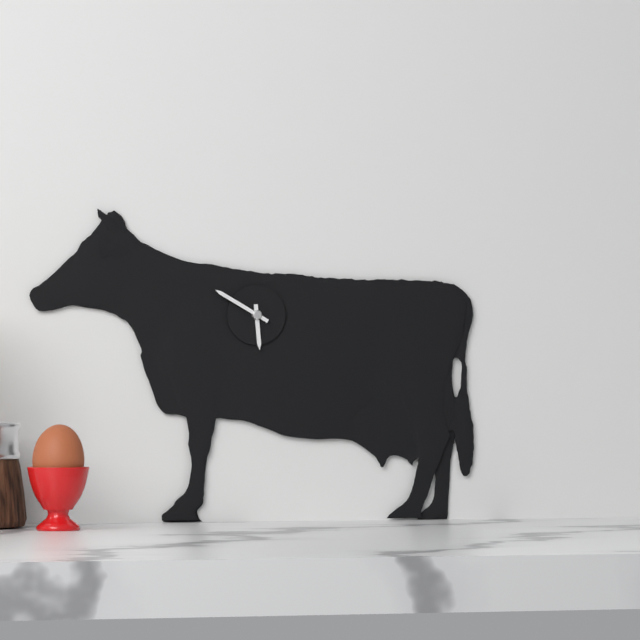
5:50
